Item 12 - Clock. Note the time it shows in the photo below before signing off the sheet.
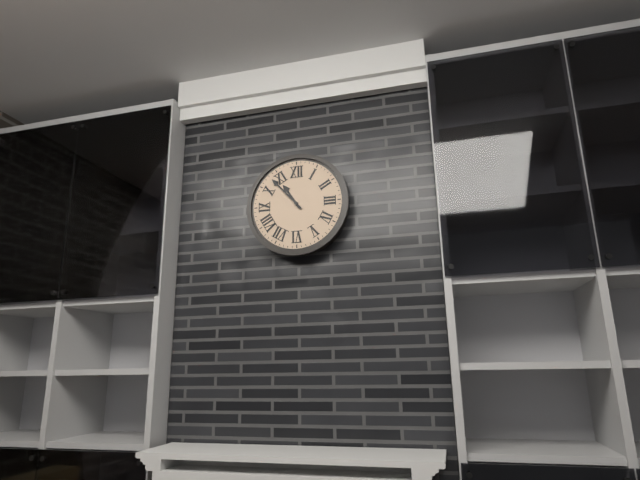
10:53
